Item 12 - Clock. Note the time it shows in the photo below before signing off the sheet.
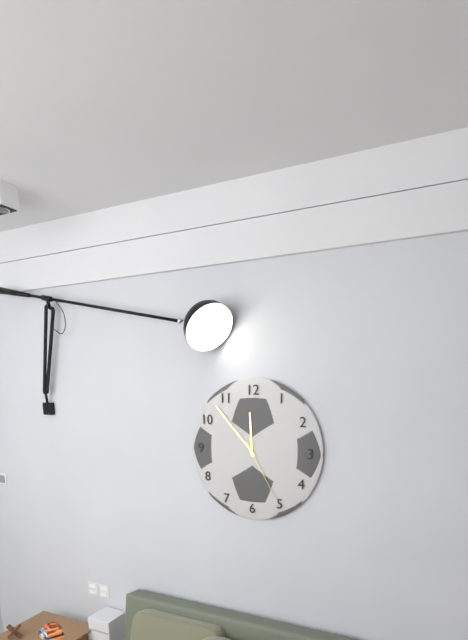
11:53:25
